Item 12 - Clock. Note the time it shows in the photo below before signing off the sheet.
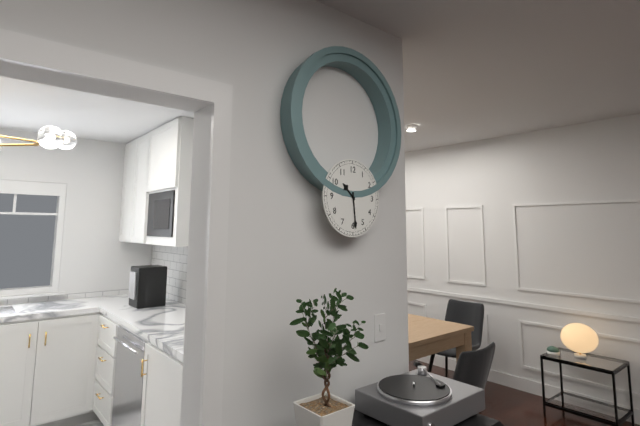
10:29
